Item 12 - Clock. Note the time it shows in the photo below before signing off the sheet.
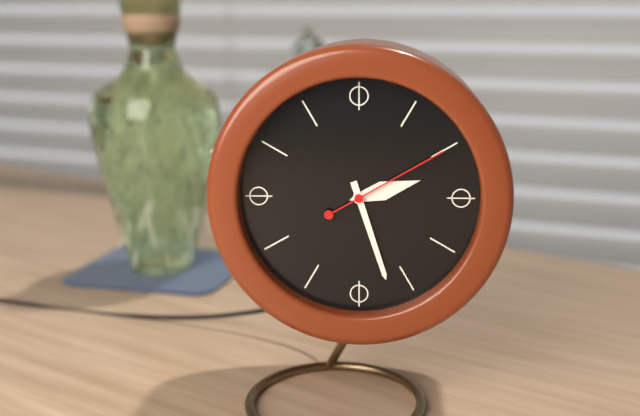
2:27:10
